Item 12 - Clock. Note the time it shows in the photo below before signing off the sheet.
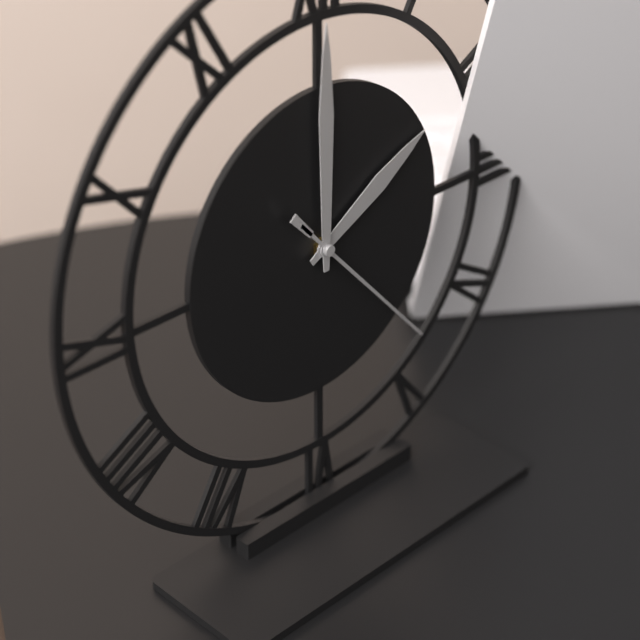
2:00:23
